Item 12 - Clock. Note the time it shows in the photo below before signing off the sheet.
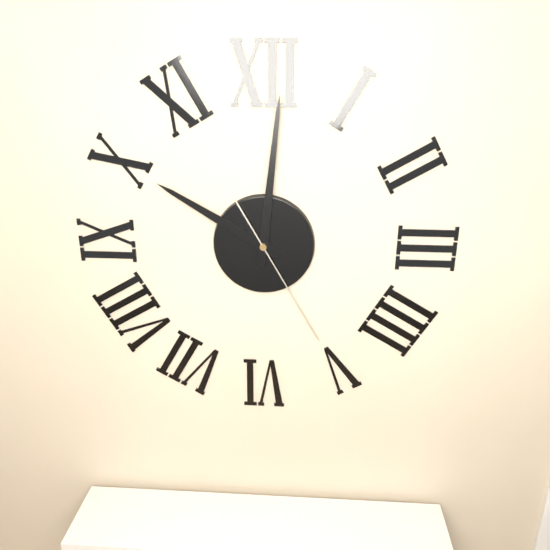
10:01:25
